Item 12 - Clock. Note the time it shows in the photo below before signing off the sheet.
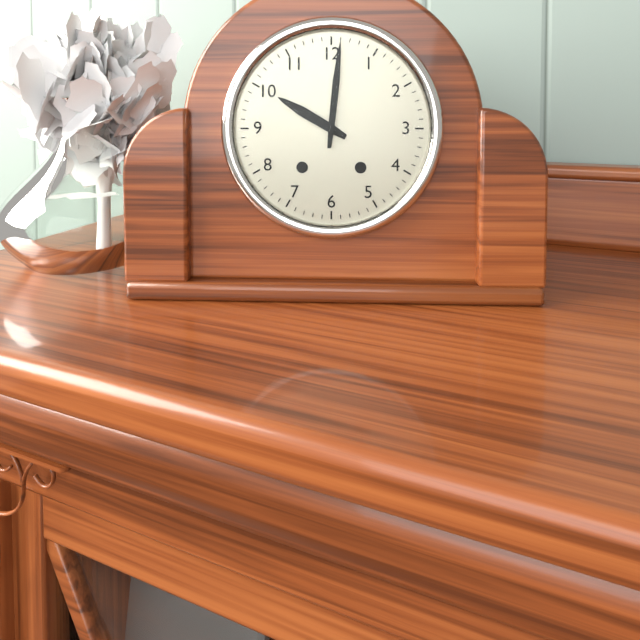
10:01
